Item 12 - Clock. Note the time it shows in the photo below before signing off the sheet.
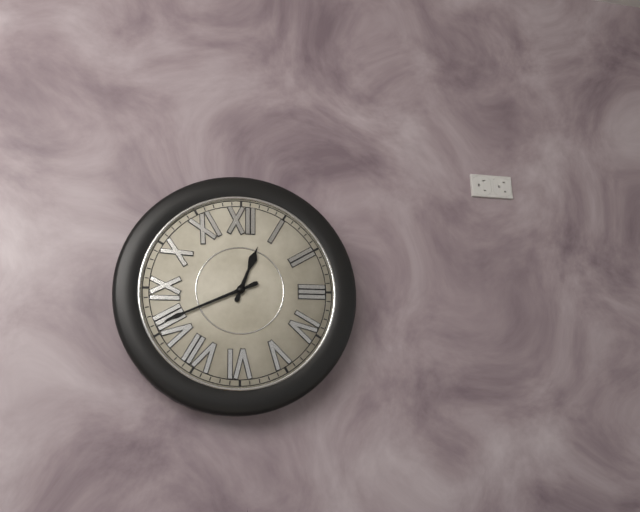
12:41
